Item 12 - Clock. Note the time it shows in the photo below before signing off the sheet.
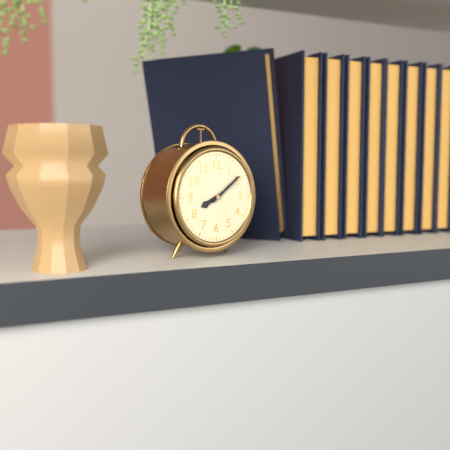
8:09
